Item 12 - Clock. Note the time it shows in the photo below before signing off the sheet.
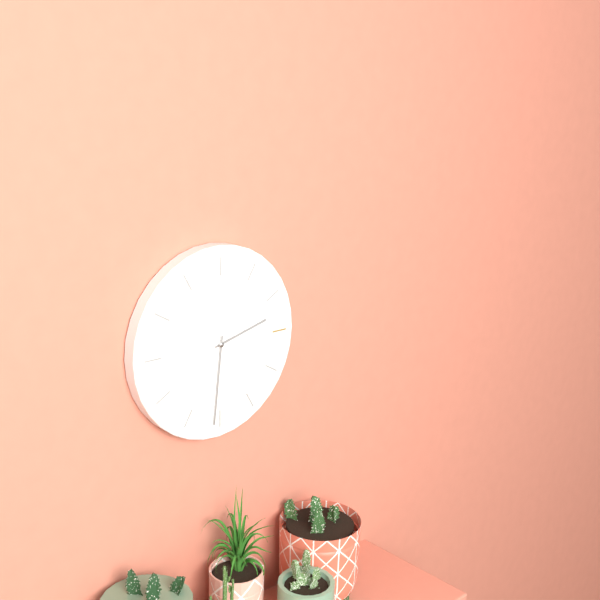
2:31
